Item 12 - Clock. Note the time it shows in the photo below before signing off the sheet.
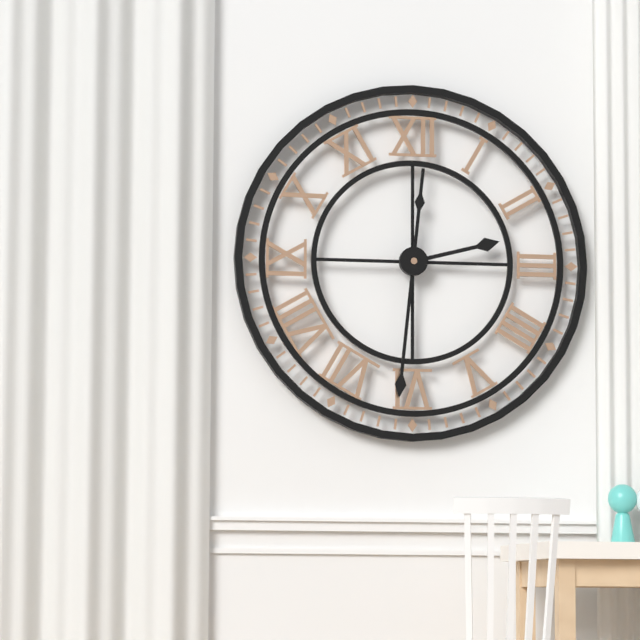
2:31
